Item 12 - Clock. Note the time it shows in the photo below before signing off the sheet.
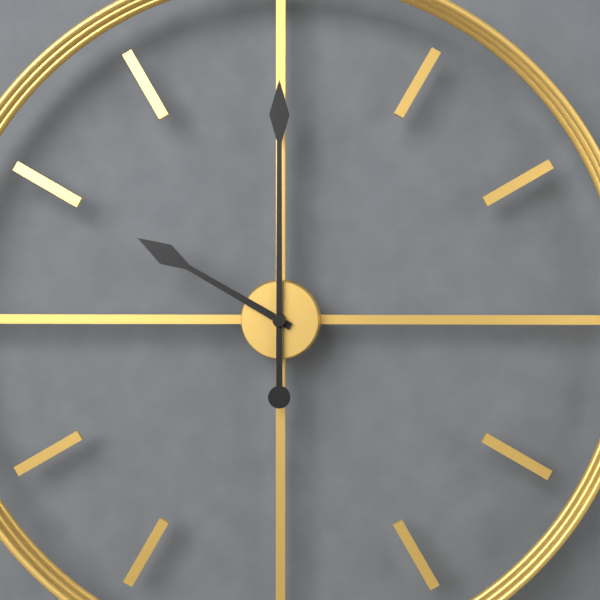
10:00
